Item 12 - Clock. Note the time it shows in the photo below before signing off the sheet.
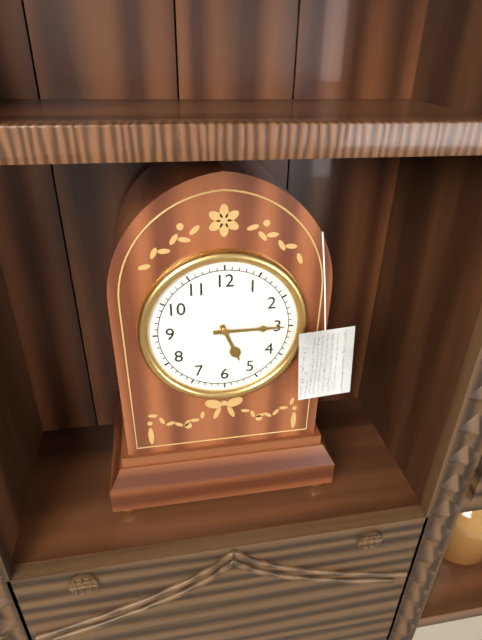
5:15
